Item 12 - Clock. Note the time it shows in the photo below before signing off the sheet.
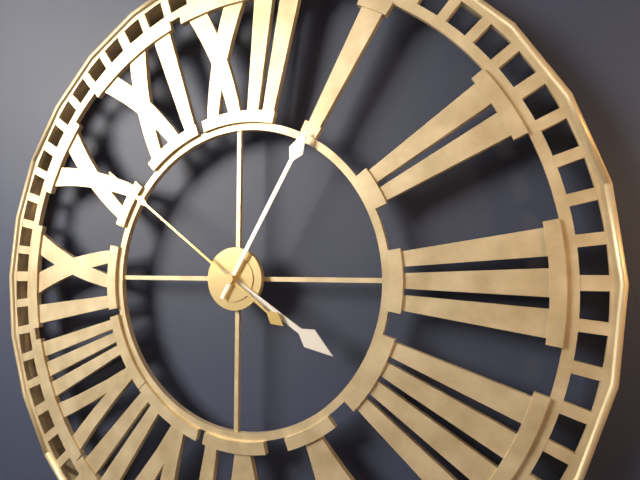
4:05:51
